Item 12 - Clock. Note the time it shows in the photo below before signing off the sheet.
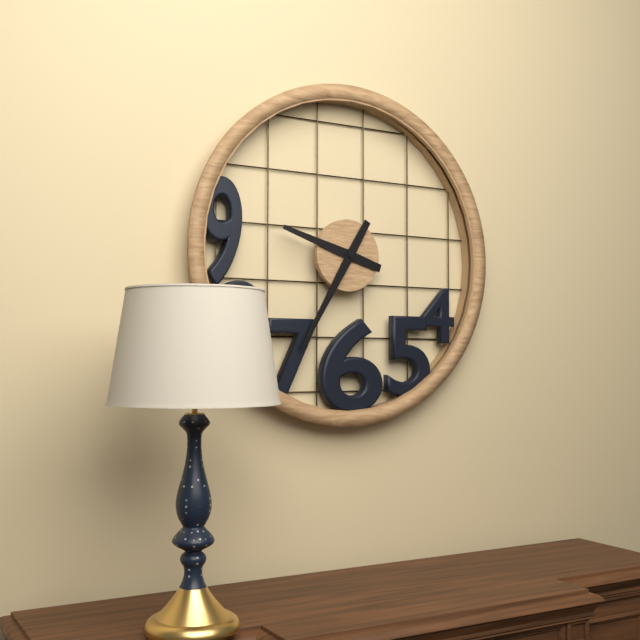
9:35
